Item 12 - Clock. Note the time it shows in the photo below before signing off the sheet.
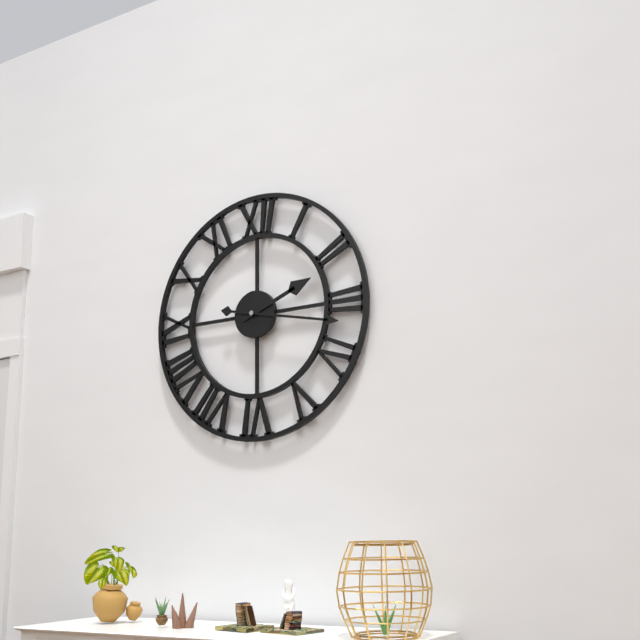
2:17
